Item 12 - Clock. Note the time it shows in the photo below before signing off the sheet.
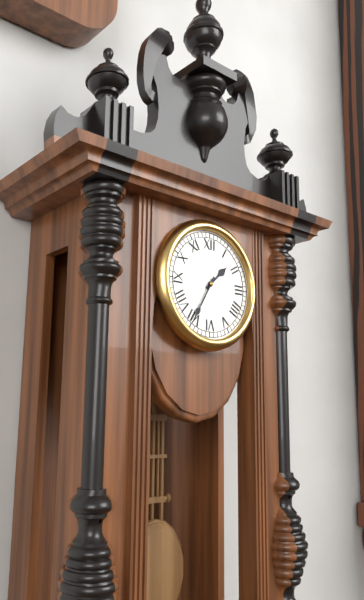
1:35
